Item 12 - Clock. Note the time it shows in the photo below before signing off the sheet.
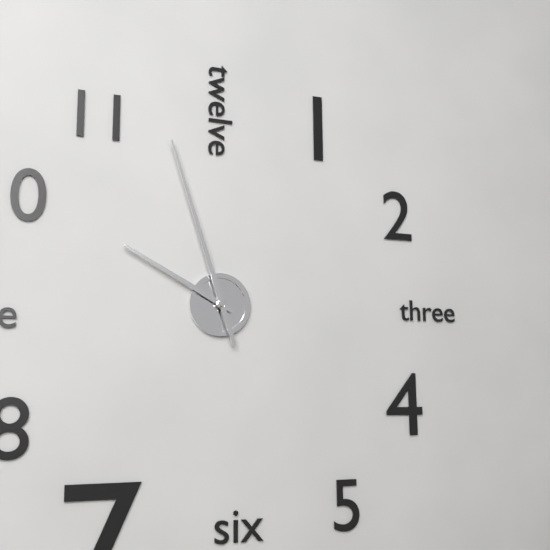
9:57
